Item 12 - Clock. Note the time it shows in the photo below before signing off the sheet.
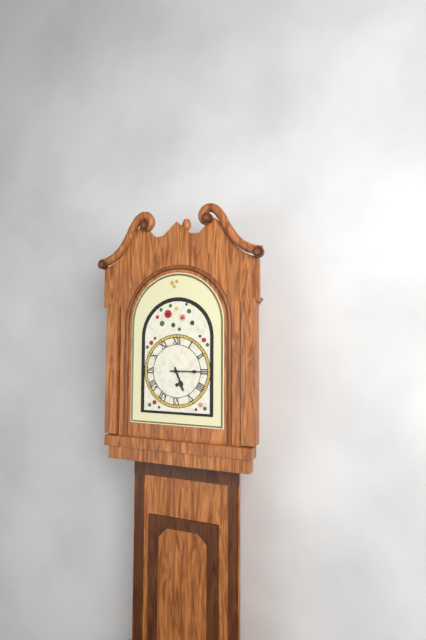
5:15
